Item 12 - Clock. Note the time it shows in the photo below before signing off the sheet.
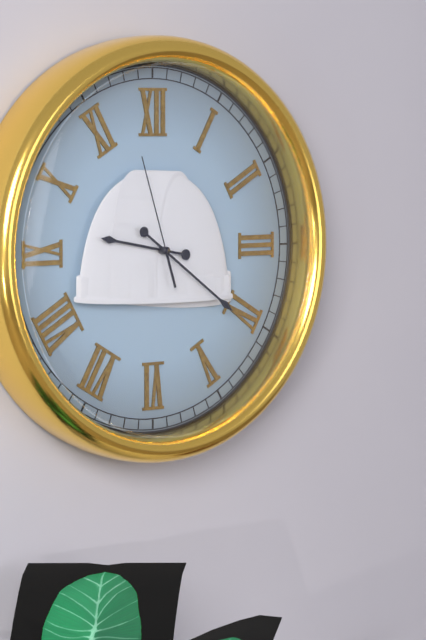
9:21:57
